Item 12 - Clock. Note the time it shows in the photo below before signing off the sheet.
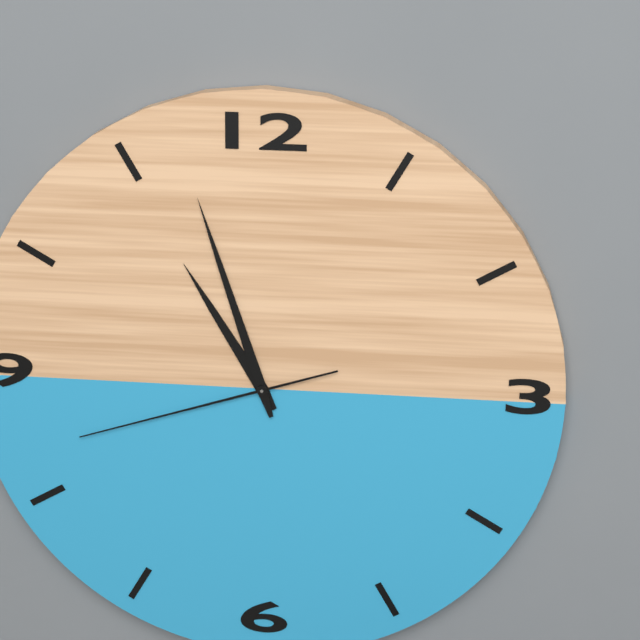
10:57:42
